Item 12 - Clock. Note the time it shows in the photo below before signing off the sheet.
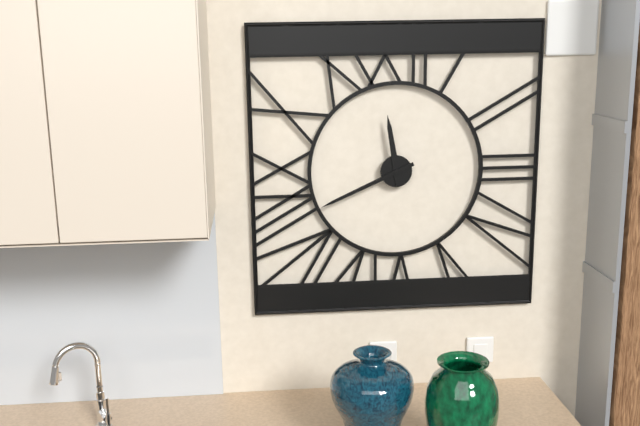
11:41
